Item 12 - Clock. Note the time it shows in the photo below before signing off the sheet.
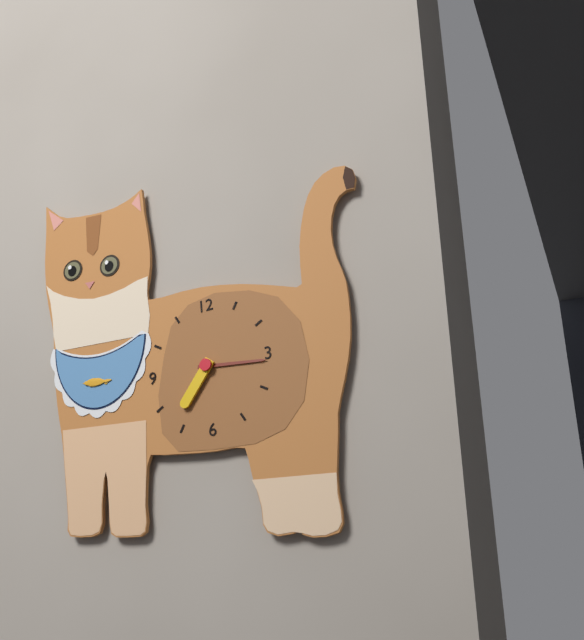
7:16
